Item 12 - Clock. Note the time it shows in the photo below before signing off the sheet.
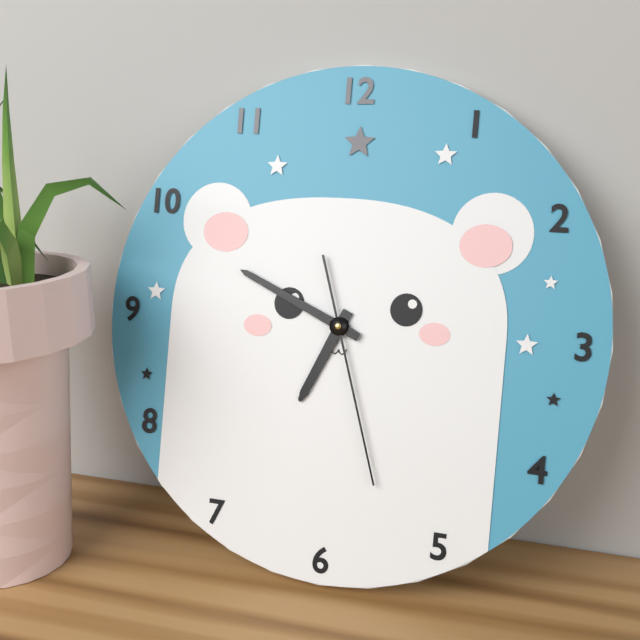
6:49:27
